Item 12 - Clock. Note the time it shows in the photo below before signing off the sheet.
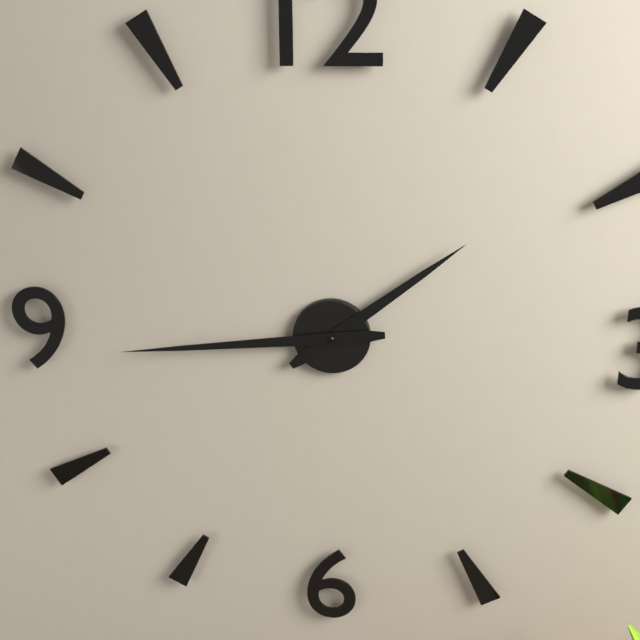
1:44
